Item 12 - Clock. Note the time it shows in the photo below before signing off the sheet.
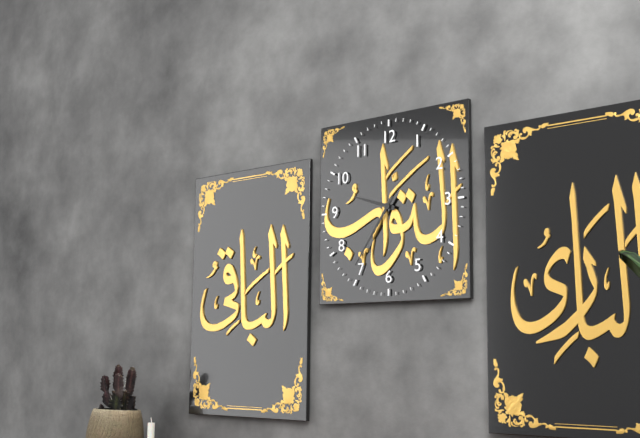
9:36
